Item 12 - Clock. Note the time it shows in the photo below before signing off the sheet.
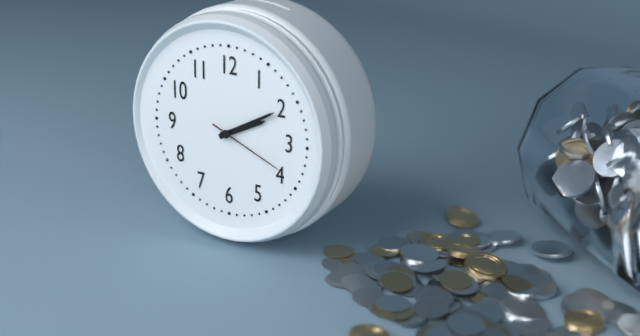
2:10:19
